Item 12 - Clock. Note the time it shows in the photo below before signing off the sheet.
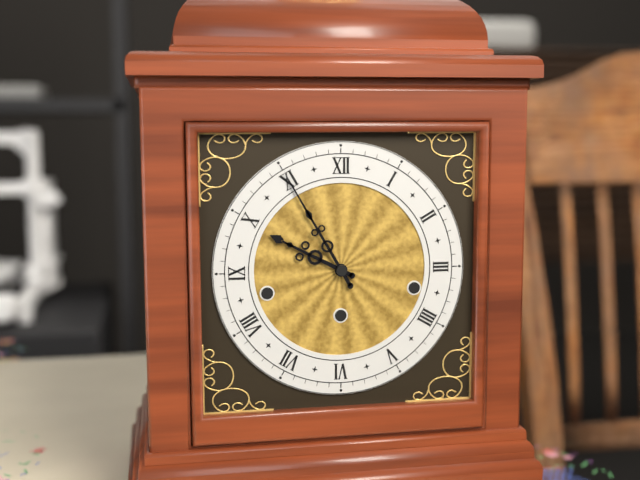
9:55
